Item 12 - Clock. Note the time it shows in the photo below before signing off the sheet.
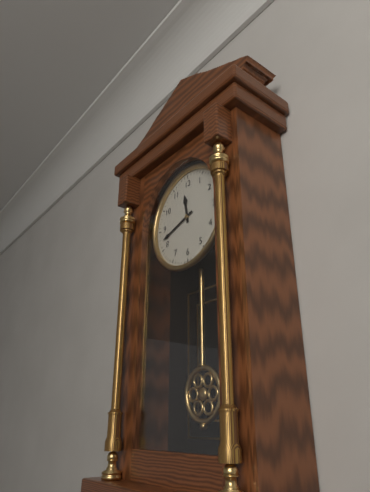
11:42
